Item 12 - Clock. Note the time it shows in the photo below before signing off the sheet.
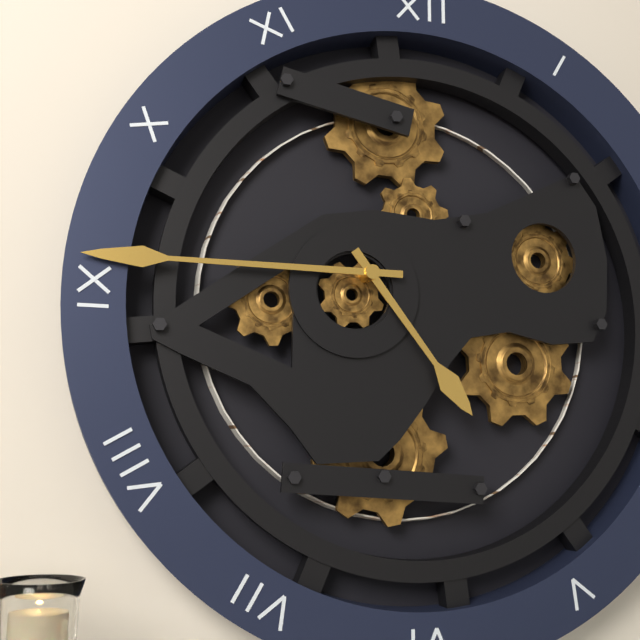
4:45
